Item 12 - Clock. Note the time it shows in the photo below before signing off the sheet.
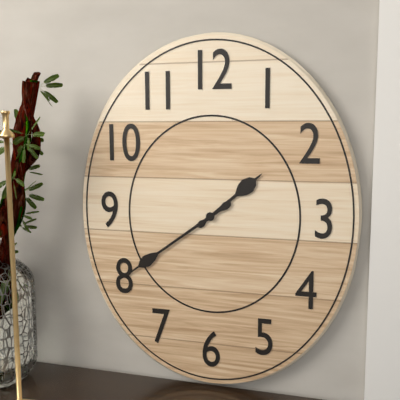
1:39
